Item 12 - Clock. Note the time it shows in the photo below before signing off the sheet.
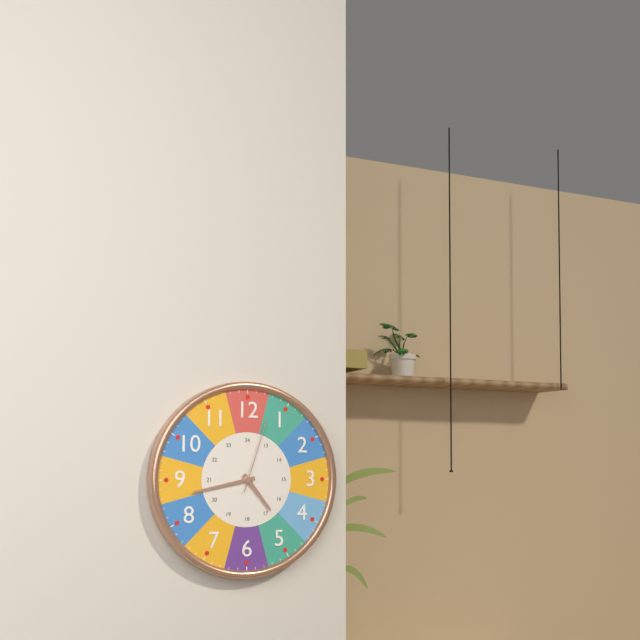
4:43:03
